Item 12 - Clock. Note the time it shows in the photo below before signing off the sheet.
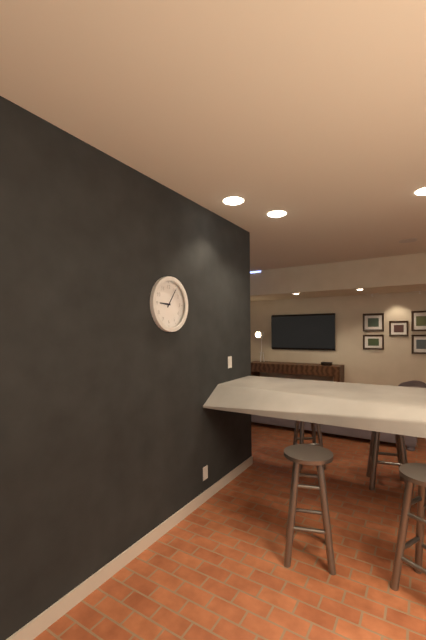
9:06
